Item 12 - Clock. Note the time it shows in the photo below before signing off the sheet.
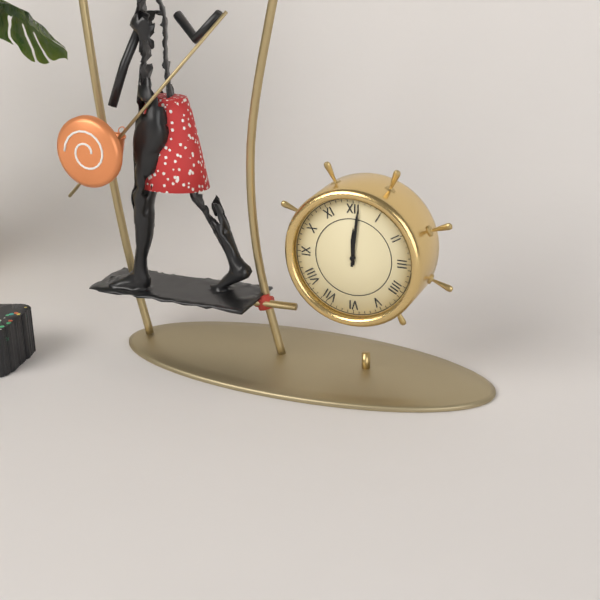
12:01
